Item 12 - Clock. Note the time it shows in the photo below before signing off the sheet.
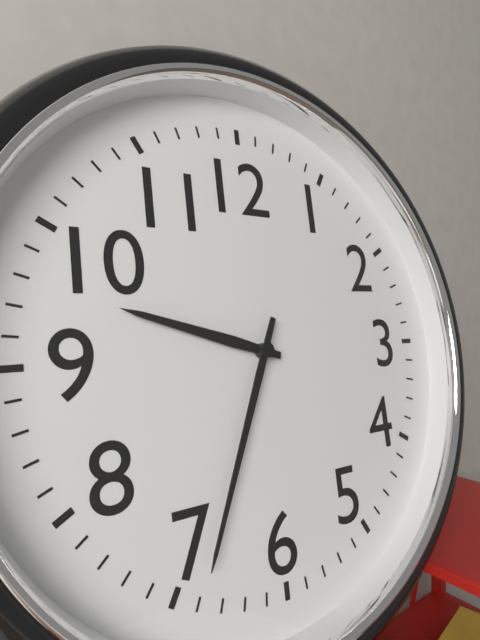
9:34
